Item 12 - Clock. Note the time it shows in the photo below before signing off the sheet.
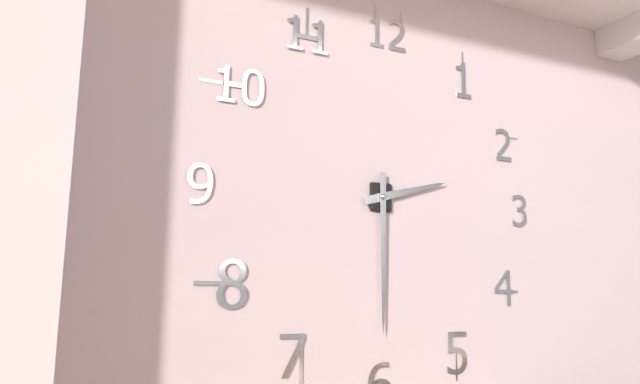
2:30
